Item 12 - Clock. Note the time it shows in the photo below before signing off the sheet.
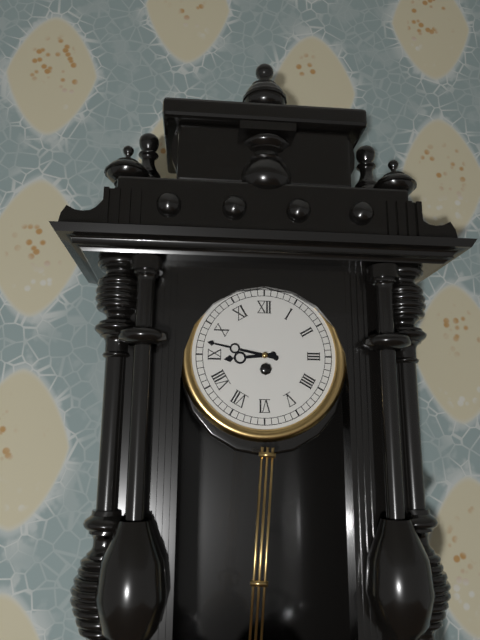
8:47
